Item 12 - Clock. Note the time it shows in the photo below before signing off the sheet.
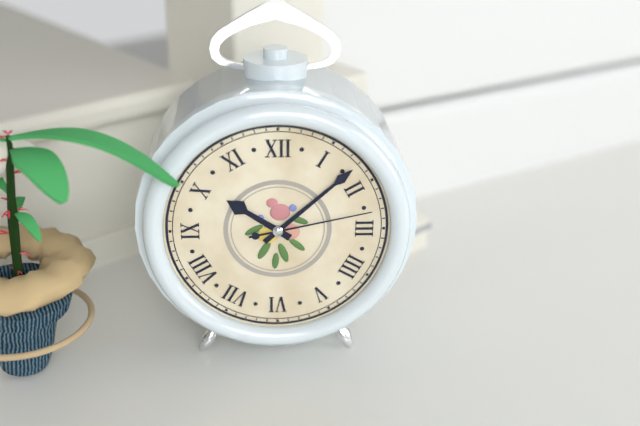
10:08:13
